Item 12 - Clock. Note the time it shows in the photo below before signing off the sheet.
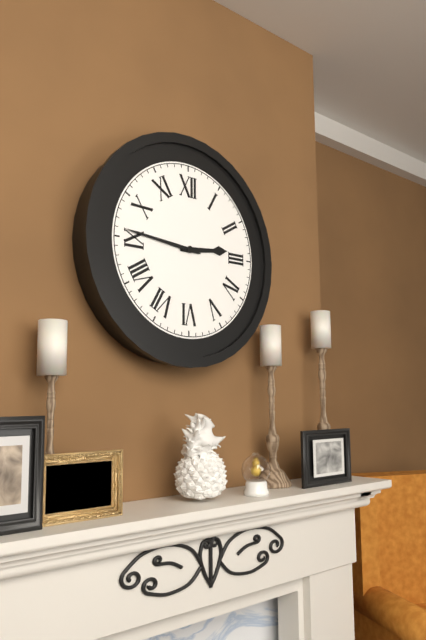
2:46
